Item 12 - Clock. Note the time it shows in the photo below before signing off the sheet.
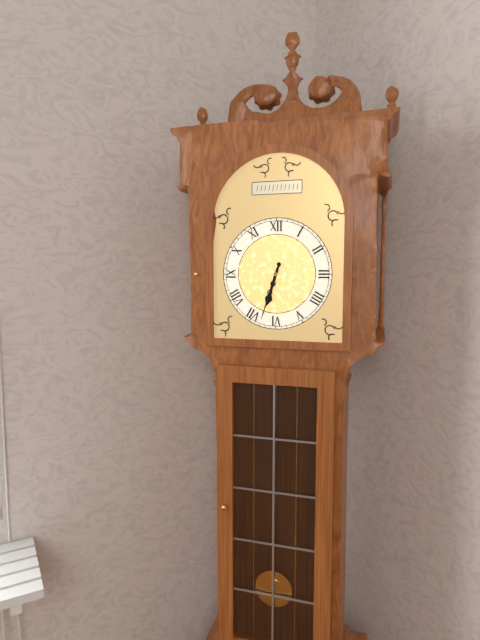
6:33
